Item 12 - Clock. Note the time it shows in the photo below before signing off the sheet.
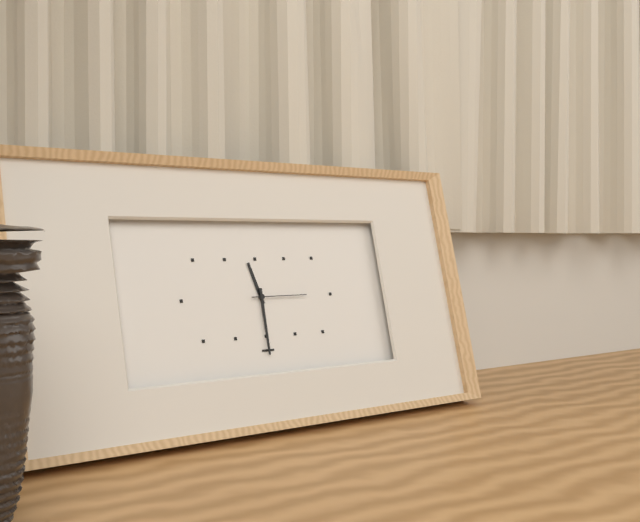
11:30:15
